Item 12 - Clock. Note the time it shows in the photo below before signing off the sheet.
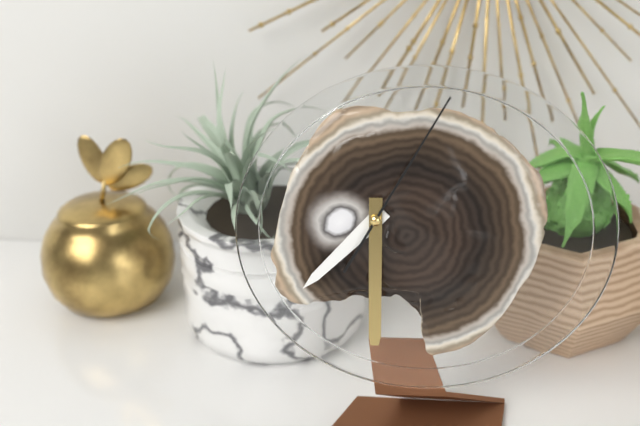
7:30:05
